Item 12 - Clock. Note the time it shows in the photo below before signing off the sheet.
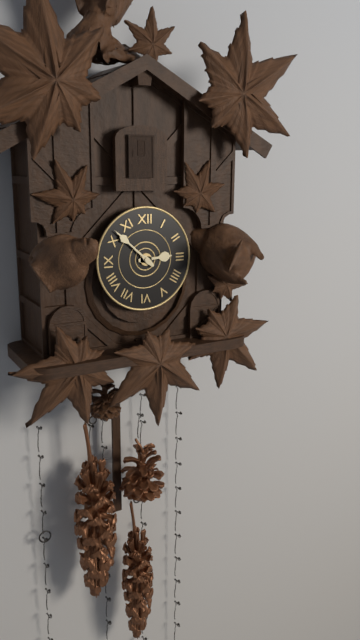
2:52
